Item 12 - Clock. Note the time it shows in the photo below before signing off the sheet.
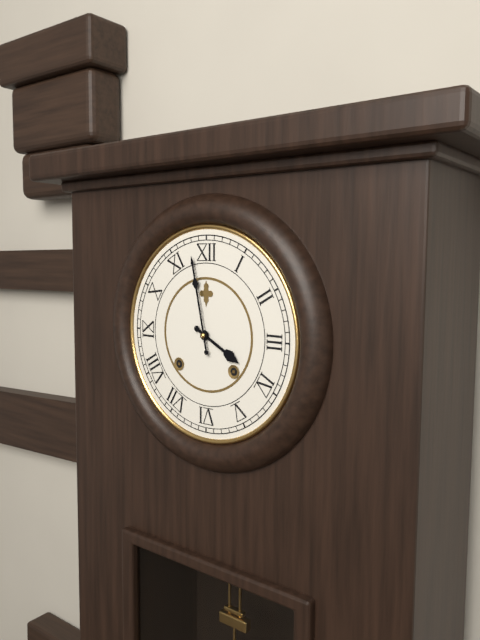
3:58
